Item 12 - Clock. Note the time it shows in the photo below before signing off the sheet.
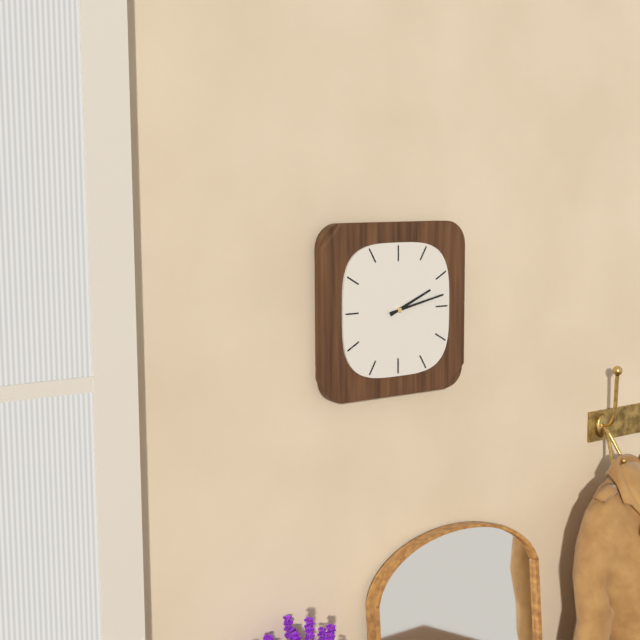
2:13
